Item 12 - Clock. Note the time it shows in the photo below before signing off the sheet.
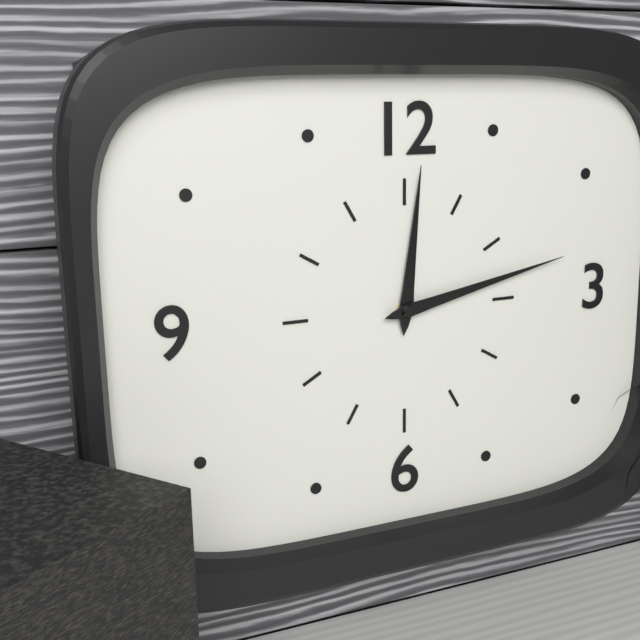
12:13
